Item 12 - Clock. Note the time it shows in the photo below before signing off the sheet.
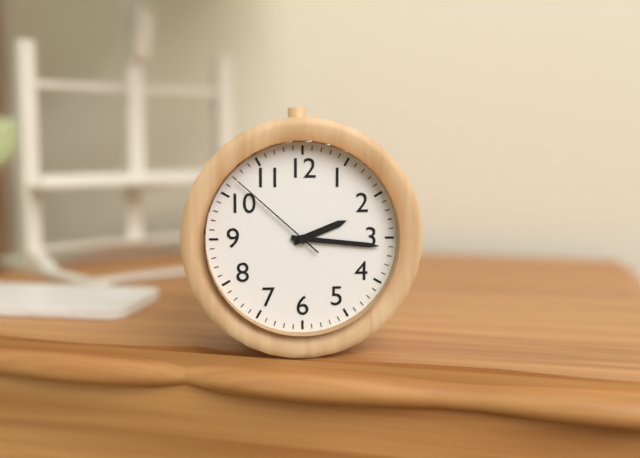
2:16:52
